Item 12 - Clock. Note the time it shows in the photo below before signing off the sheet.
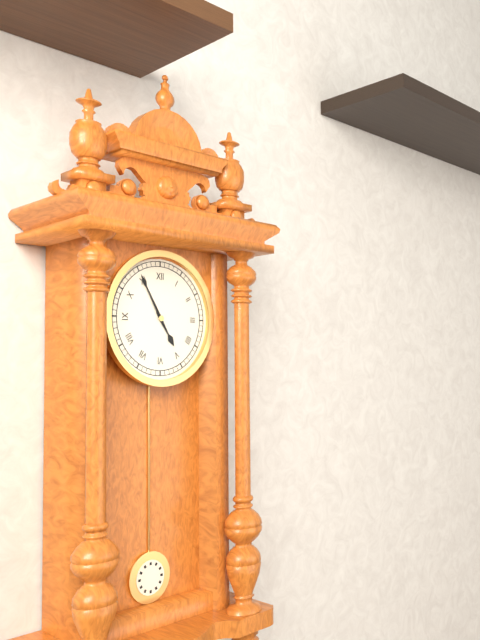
4:55
